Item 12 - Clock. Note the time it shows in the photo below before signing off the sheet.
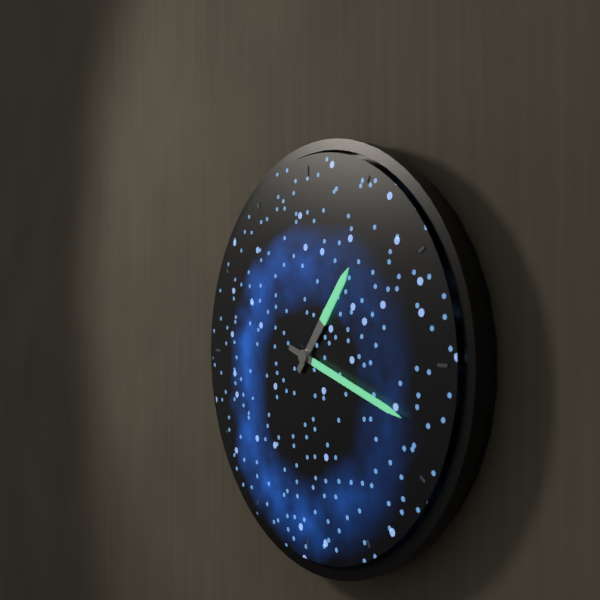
1:18
